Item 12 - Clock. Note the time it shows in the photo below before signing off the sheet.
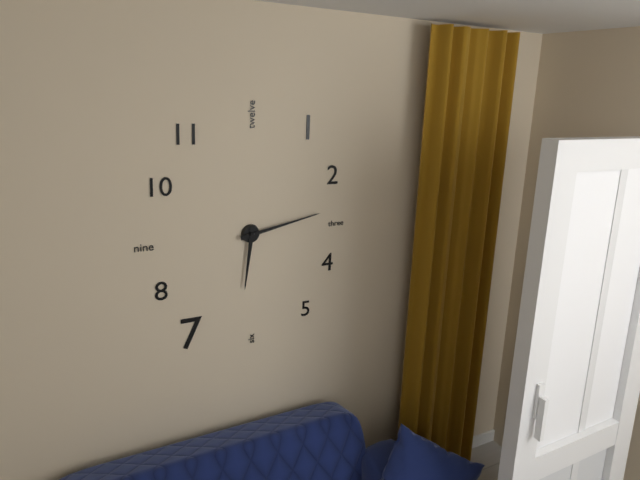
6:13
